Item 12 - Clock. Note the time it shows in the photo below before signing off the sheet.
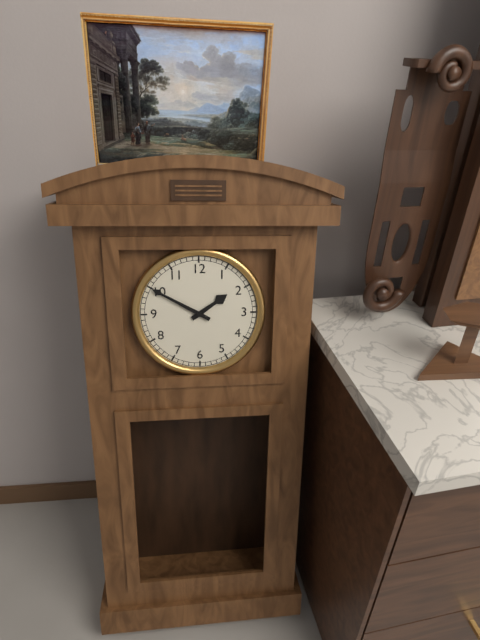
1:50
